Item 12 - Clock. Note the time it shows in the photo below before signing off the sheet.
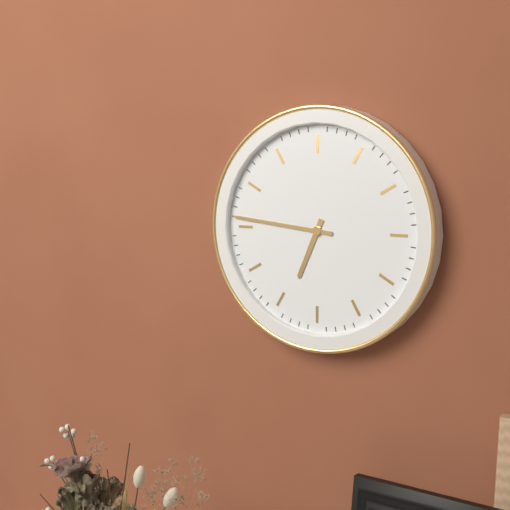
6:46
